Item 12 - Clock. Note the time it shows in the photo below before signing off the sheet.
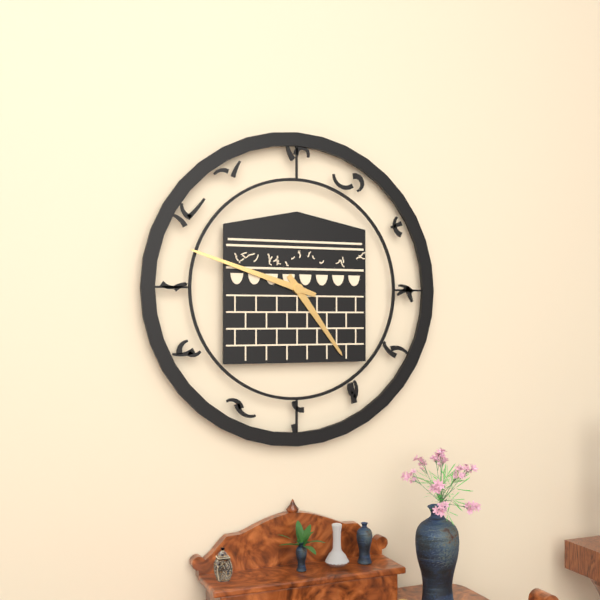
4:48
